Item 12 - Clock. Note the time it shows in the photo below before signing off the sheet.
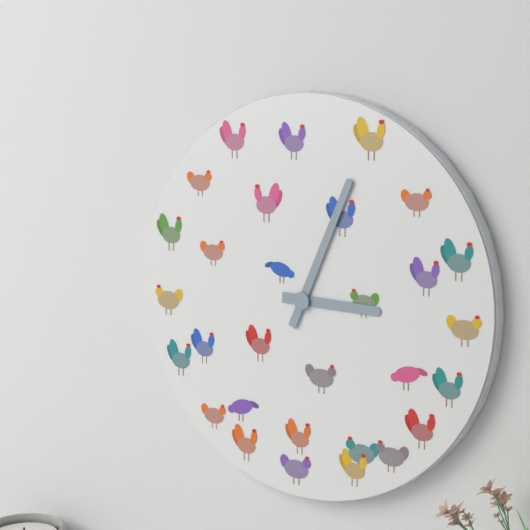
3:04
